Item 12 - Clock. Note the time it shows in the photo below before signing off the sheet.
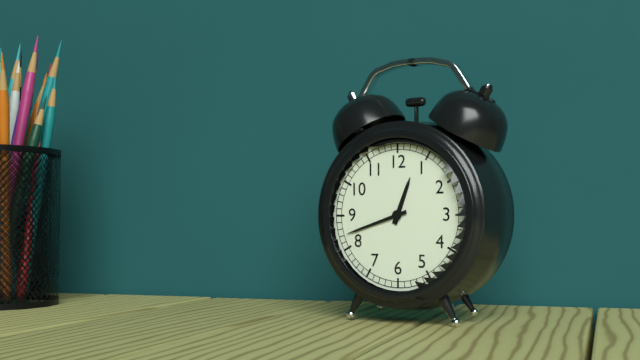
12:42
